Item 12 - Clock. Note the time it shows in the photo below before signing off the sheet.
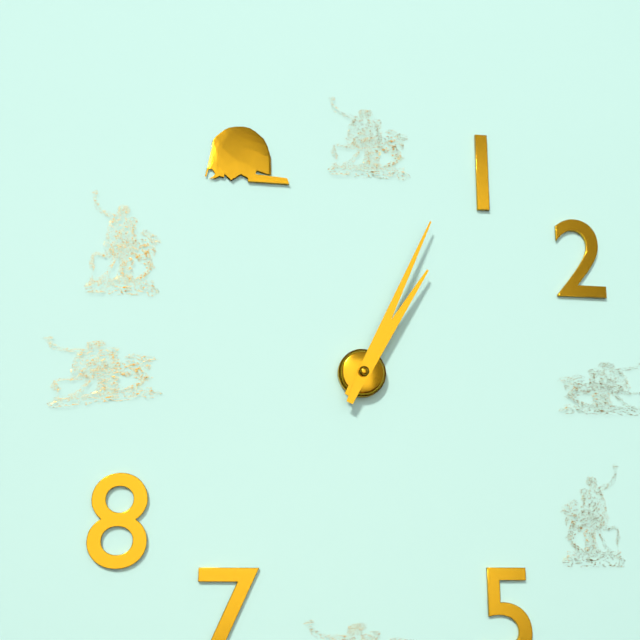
1:04
